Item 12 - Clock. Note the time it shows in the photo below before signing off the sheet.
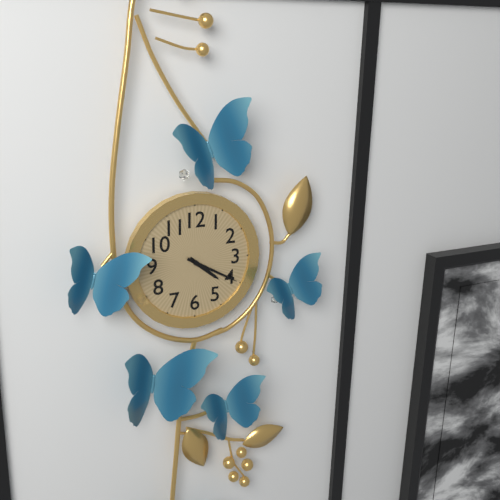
4:20
